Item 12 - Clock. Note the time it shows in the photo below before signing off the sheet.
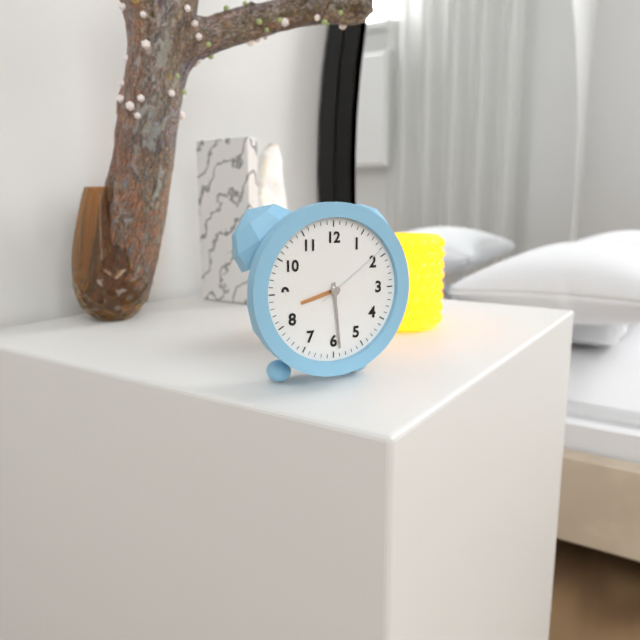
8:29:09
